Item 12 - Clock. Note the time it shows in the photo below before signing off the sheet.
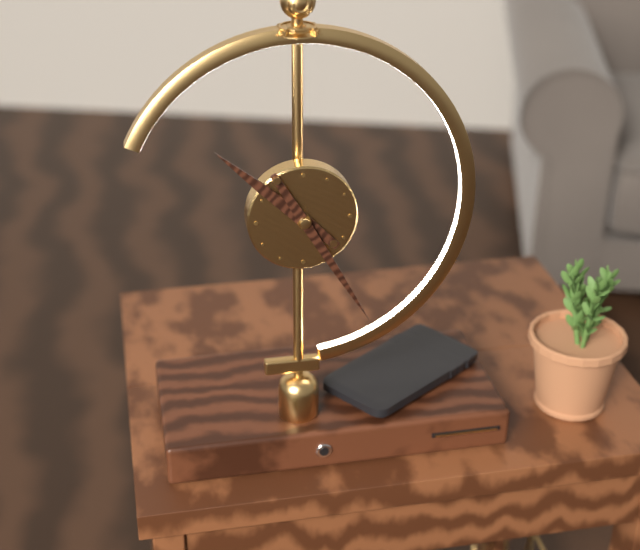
10:25
